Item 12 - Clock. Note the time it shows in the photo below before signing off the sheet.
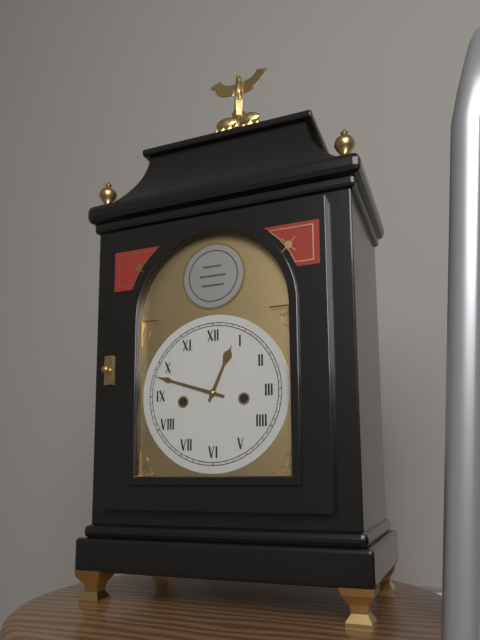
12:48
